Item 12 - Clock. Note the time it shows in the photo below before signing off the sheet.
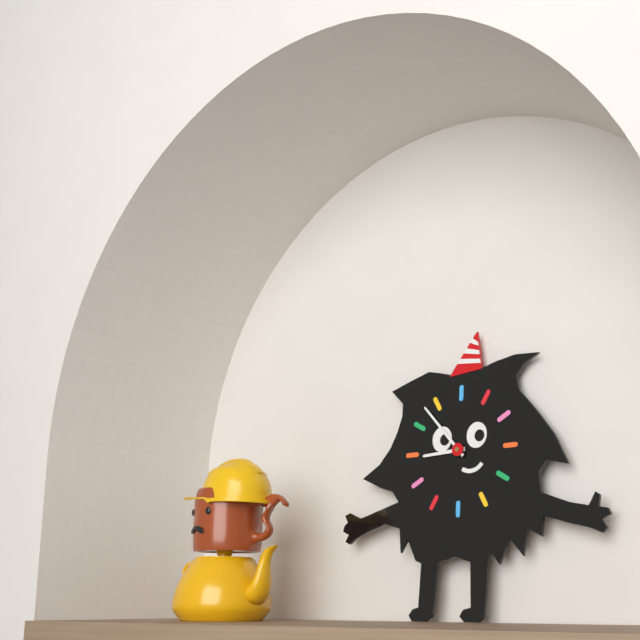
8:53
